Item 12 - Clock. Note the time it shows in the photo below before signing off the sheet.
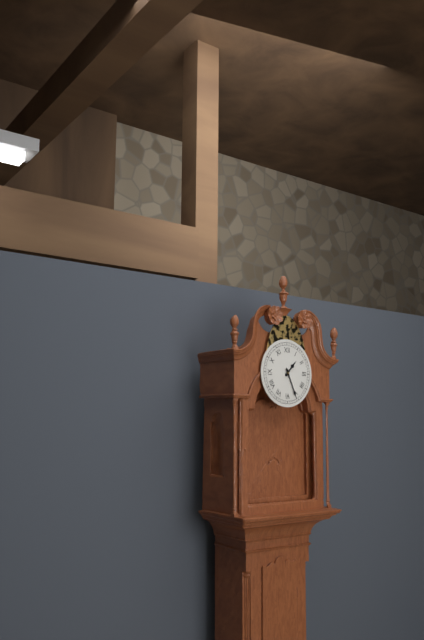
1:26
